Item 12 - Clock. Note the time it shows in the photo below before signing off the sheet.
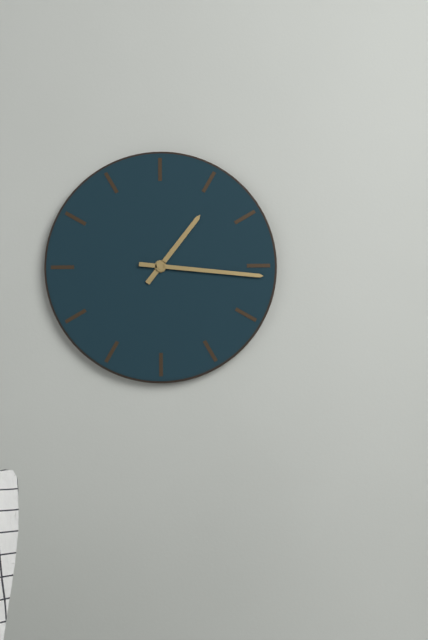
1:16
